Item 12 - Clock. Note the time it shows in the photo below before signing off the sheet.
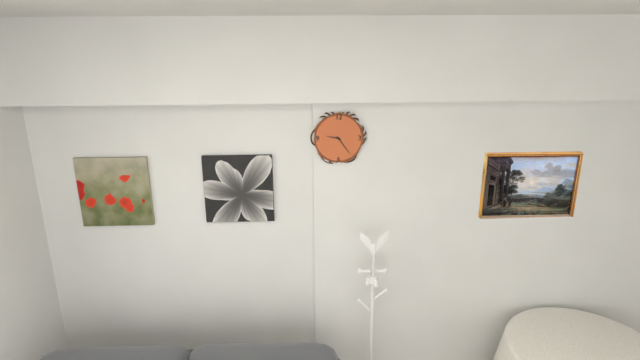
9:24
